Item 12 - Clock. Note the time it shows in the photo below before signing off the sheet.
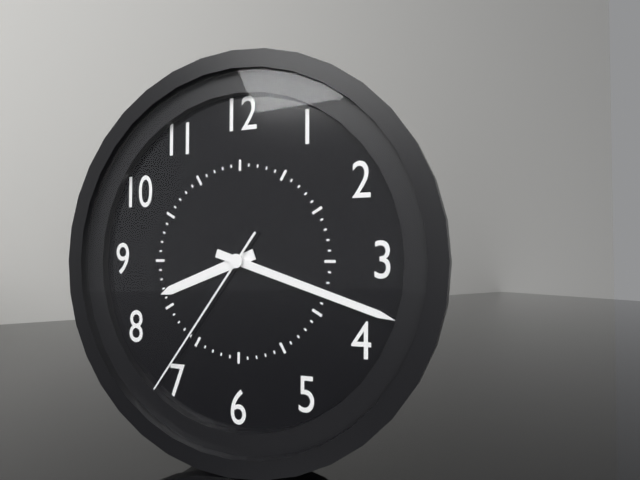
8:18:36
